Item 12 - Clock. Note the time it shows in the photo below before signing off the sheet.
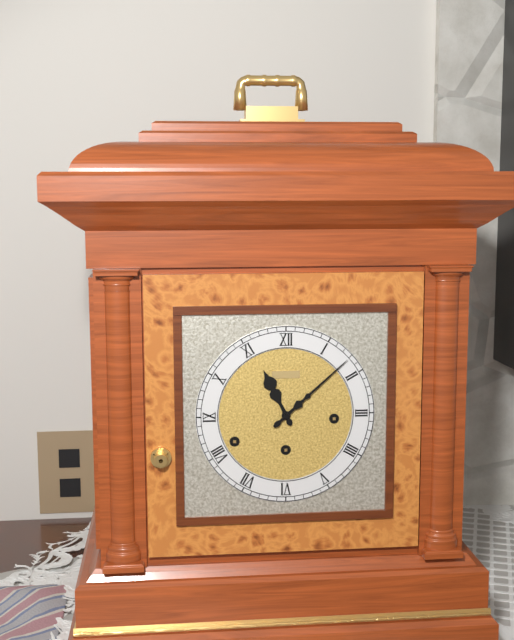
11:08
